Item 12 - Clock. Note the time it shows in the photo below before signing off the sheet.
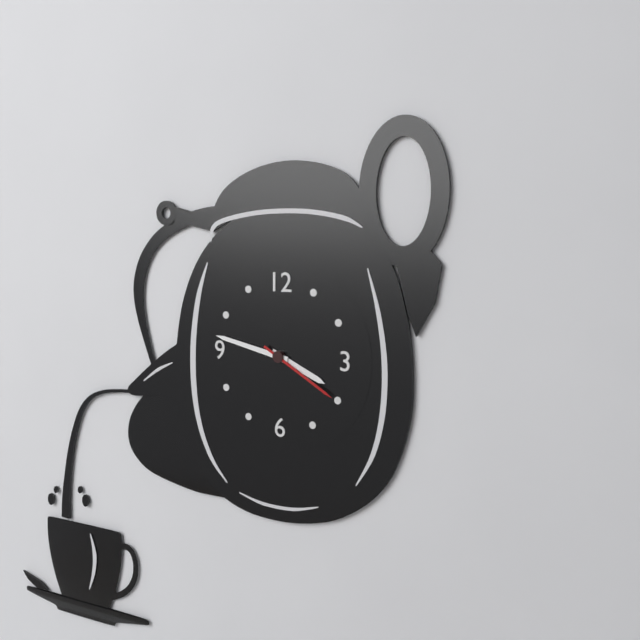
3:47:20
